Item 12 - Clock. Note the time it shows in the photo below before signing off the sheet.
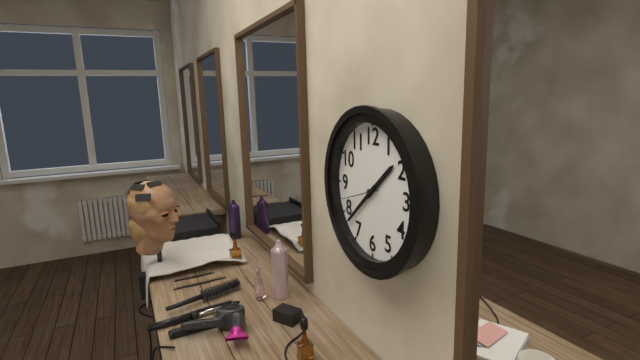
1:38
